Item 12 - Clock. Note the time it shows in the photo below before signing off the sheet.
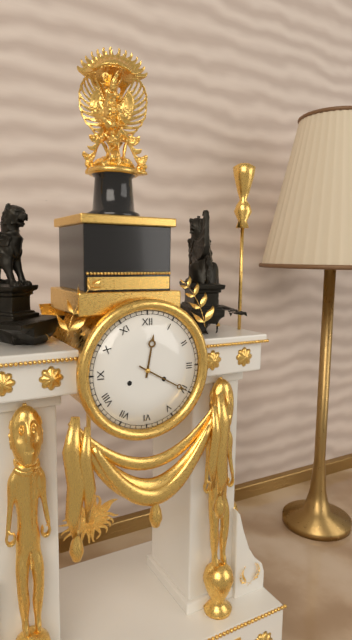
12:20
